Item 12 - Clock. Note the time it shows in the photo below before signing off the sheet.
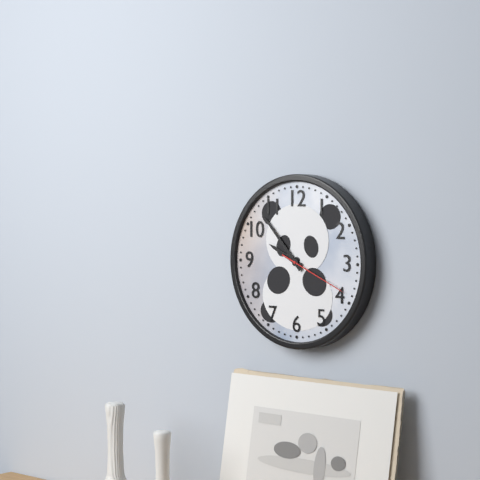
9:53:19
